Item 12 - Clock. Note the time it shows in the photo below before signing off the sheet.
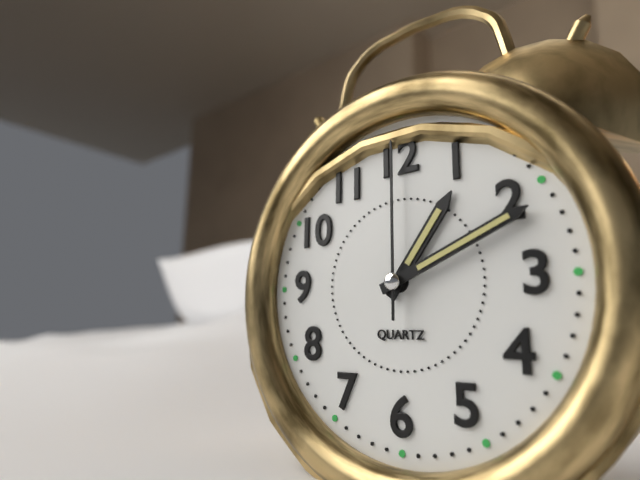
1:11:00
